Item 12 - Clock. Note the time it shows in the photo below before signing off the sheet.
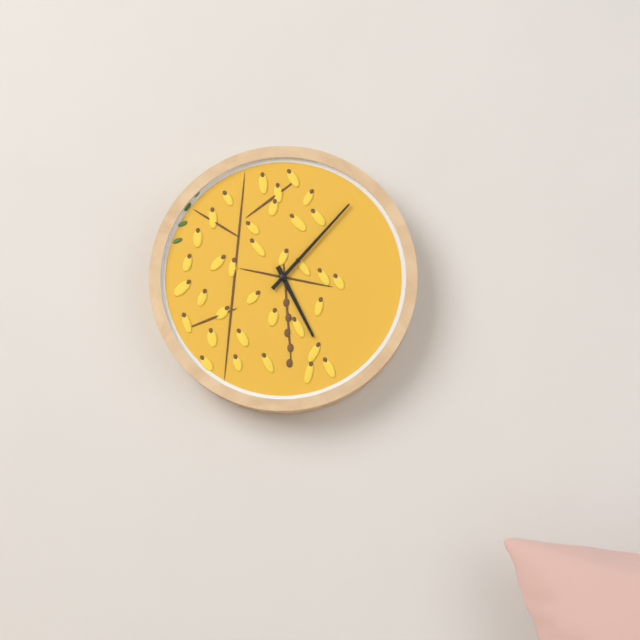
5:07
